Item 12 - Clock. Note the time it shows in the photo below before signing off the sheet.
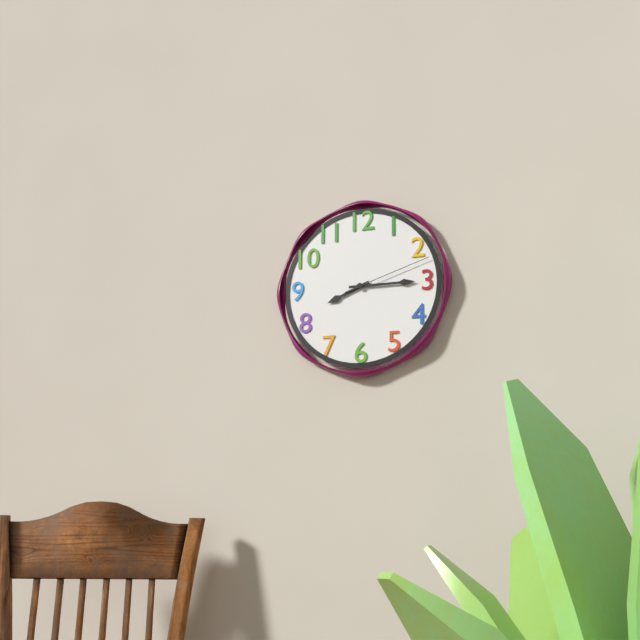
8:15:12
